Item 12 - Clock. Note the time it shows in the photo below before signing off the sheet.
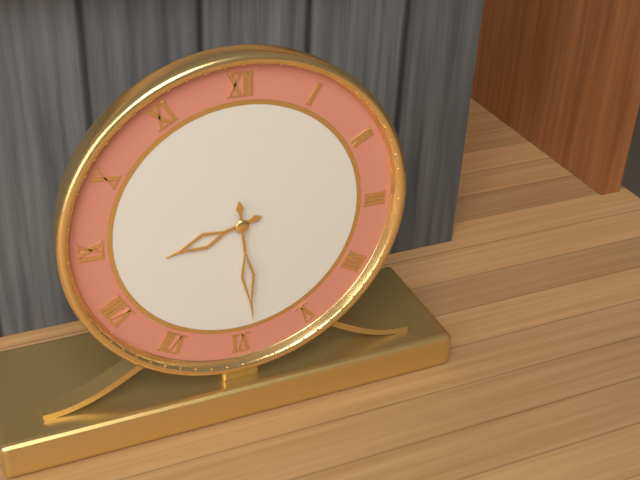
8:29
